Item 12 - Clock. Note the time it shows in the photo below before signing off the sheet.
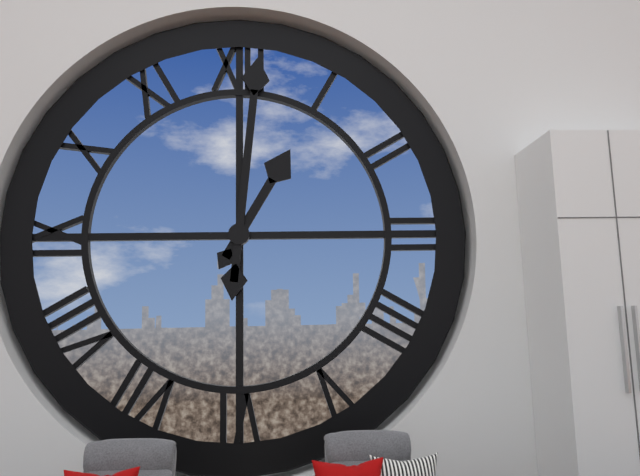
1:01
